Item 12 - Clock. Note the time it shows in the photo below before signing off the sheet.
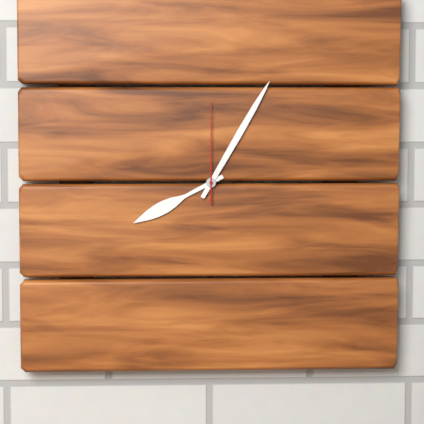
8:05:00
